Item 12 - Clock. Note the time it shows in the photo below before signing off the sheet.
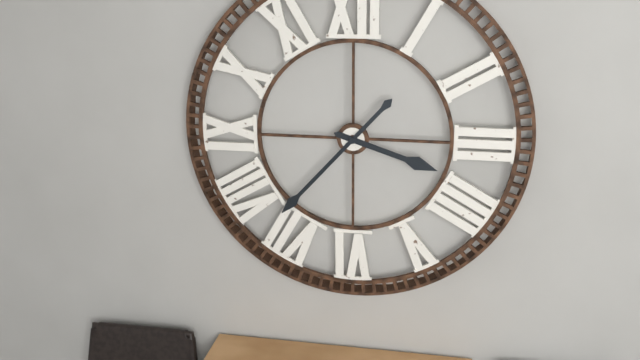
3:37
